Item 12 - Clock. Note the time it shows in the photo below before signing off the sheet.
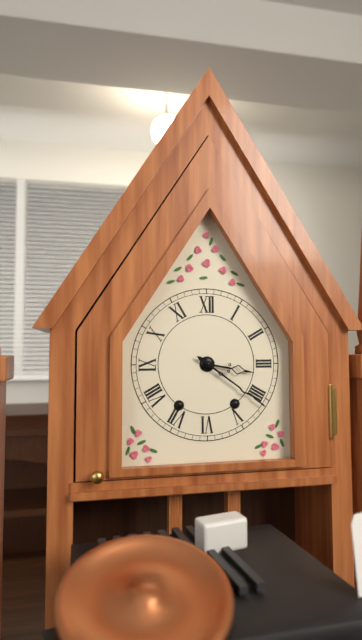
3:21
